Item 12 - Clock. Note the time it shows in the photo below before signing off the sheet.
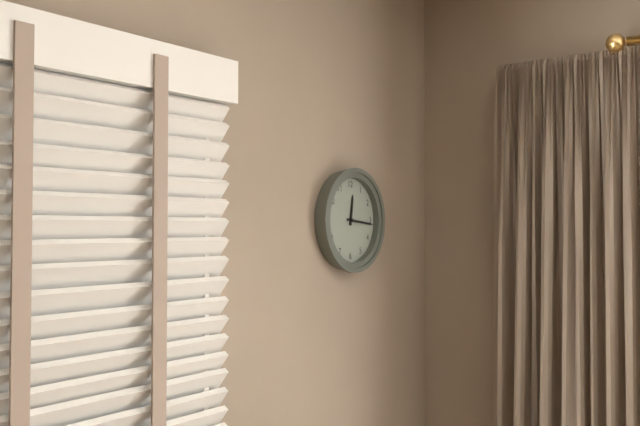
12:16
